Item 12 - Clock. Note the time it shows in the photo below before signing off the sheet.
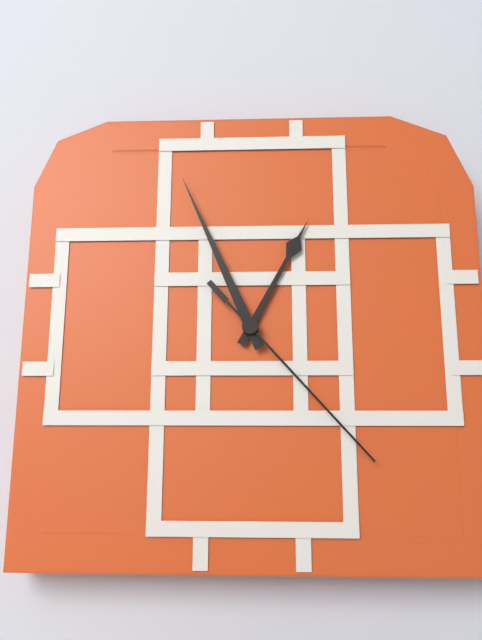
12:56:23
